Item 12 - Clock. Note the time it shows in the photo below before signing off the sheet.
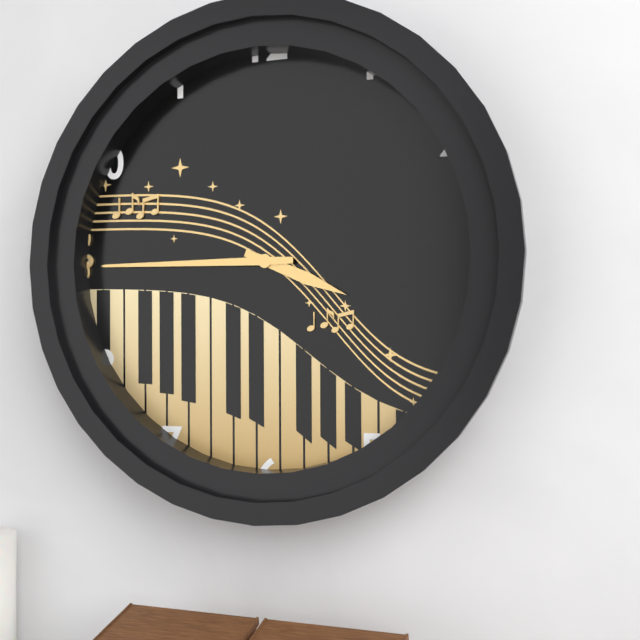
3:45
